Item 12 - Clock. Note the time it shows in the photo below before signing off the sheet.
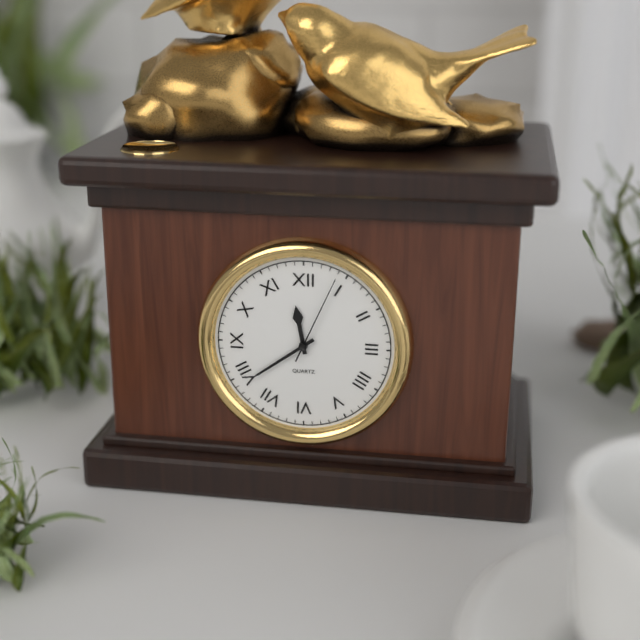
11:39:04
